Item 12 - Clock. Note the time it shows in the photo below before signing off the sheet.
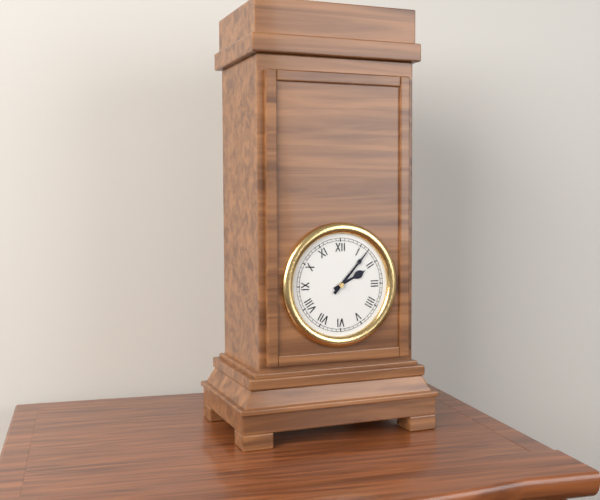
2:07
